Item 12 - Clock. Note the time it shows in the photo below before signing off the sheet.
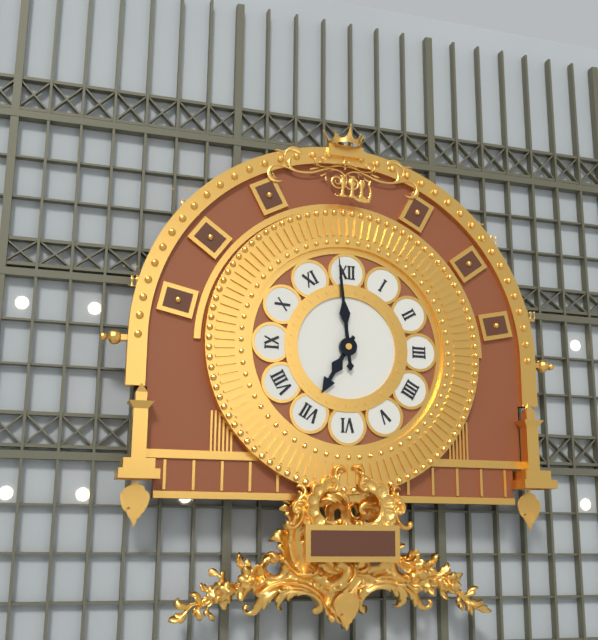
6:59
